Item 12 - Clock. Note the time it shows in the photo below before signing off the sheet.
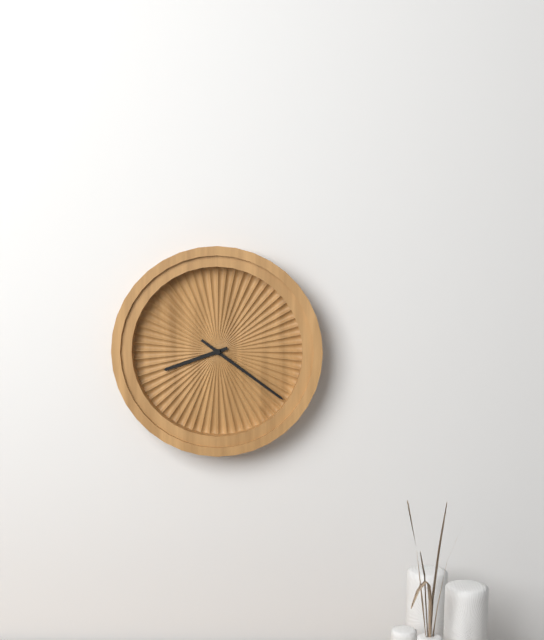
8:21
